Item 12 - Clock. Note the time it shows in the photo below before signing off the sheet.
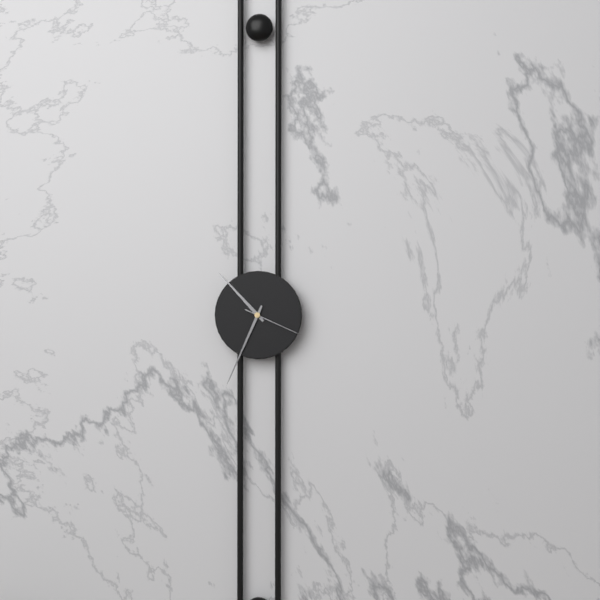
10:34:19
